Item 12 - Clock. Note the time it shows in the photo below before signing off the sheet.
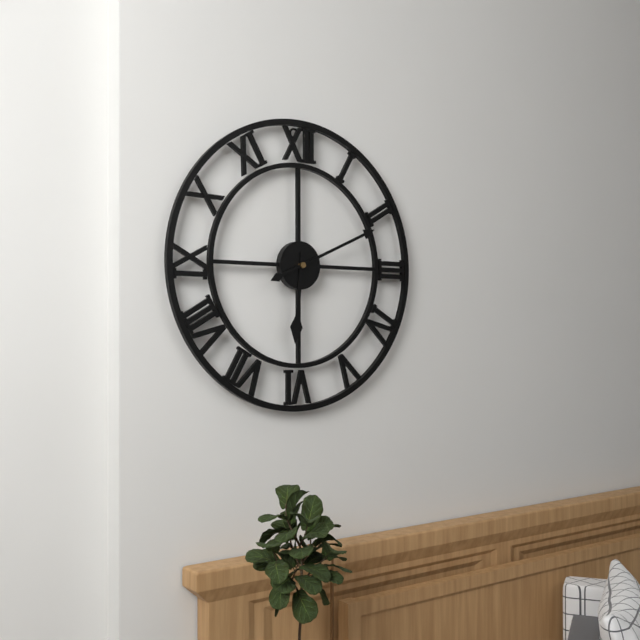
6:11
